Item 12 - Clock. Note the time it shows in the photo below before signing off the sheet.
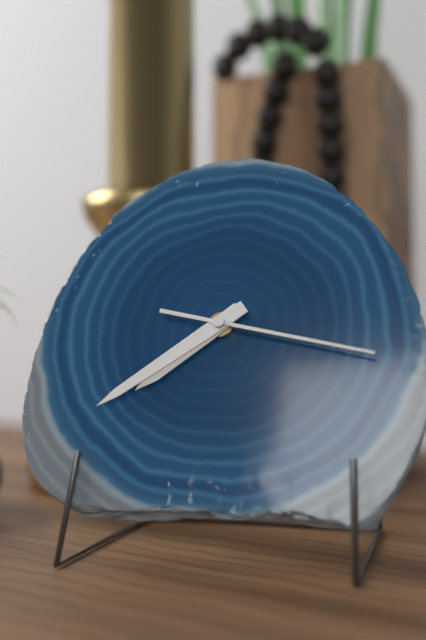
7:39:17
